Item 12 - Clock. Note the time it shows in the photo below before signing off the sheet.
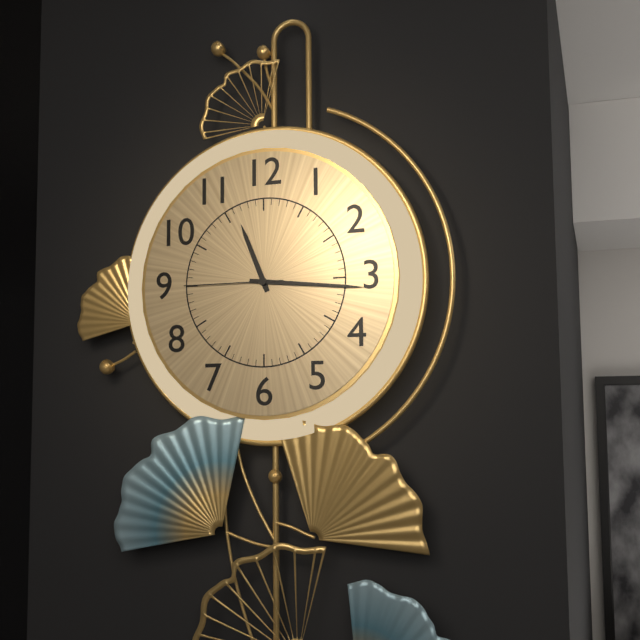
11:16:45
